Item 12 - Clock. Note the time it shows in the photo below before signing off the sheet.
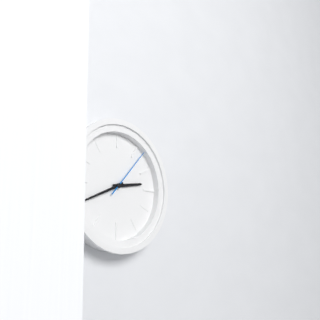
2:41:07
